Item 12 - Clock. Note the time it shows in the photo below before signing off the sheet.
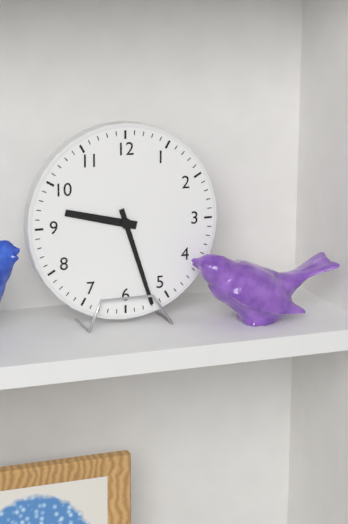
9:27
